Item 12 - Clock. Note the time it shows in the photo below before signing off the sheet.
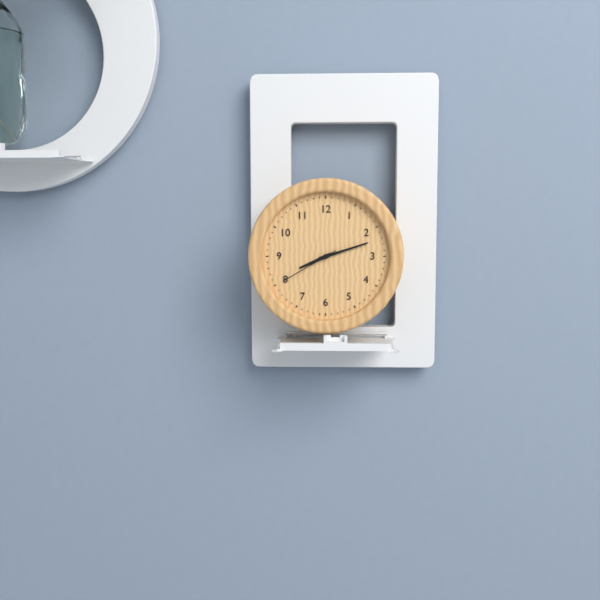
8:12:40
